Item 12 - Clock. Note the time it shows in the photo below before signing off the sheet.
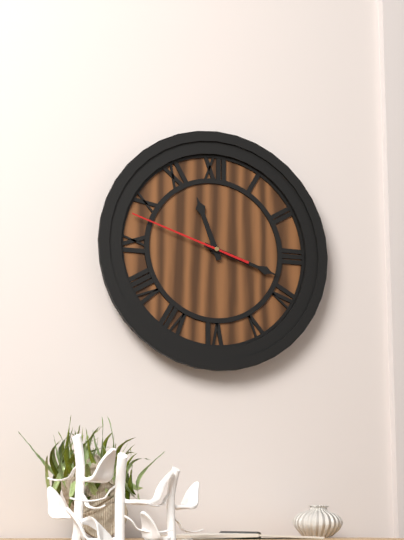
11:18:48
